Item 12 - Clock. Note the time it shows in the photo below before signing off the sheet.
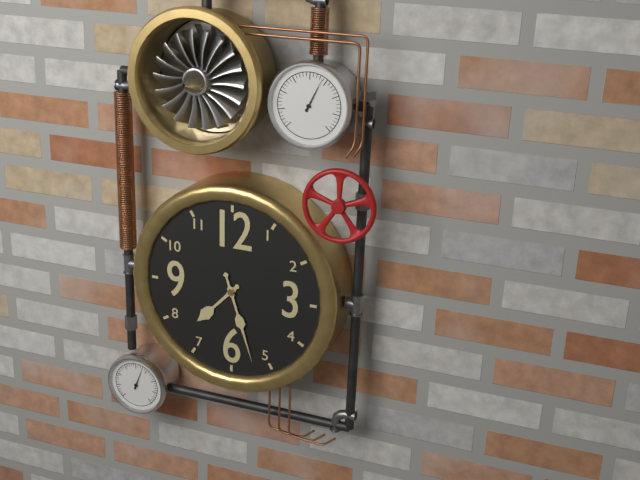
7:27
